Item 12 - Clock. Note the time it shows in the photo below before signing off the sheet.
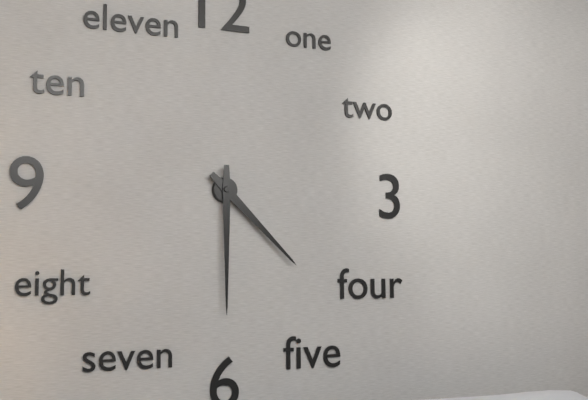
4:30
